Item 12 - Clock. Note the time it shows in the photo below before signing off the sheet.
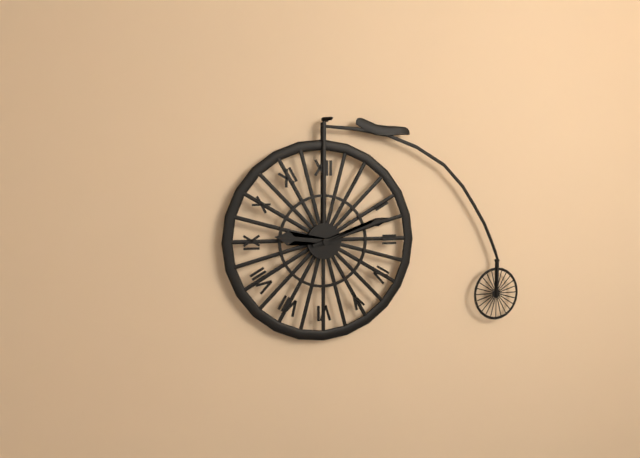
9:12
